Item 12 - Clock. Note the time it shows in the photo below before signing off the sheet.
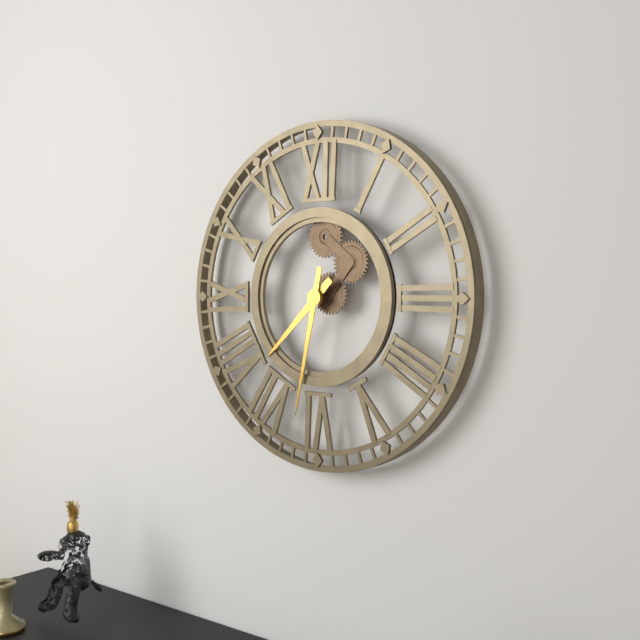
7:32
